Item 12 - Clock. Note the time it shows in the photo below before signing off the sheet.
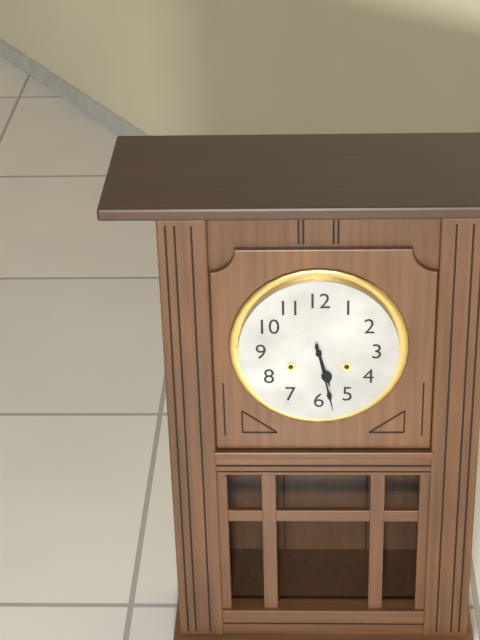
5:28
